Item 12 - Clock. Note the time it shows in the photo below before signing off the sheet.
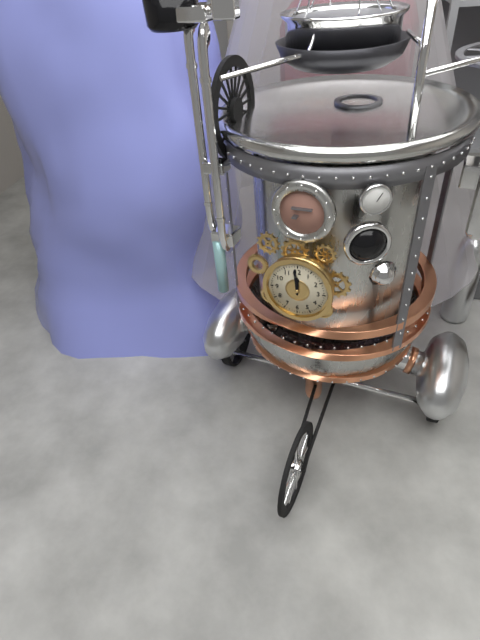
11:59
